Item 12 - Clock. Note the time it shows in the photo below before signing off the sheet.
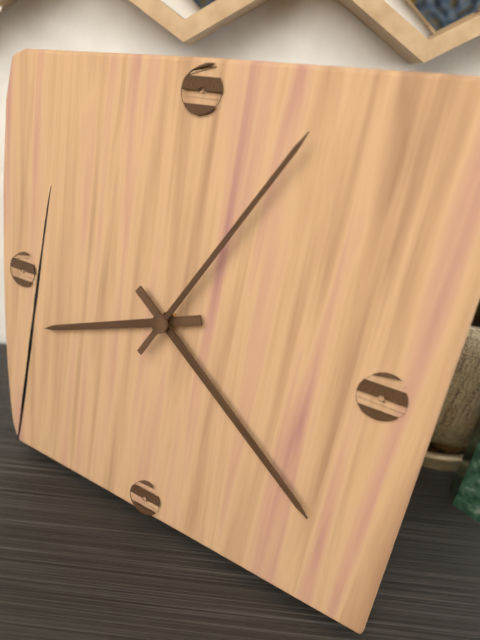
8:21:05
